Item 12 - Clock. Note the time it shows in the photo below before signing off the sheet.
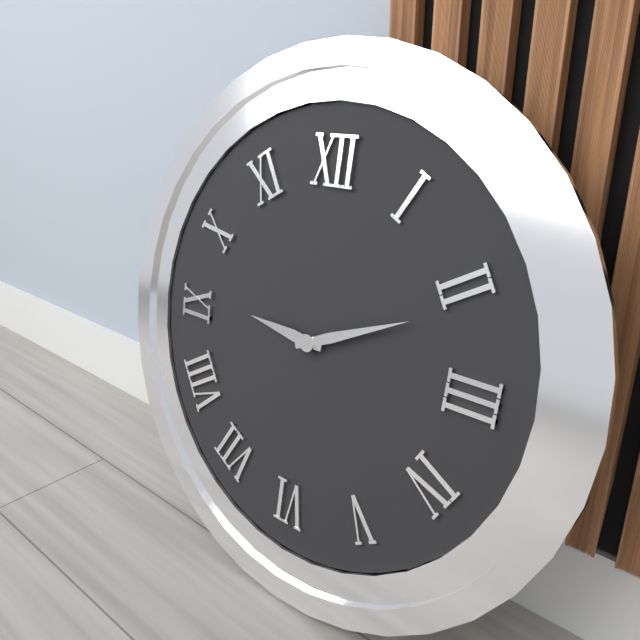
9:11
